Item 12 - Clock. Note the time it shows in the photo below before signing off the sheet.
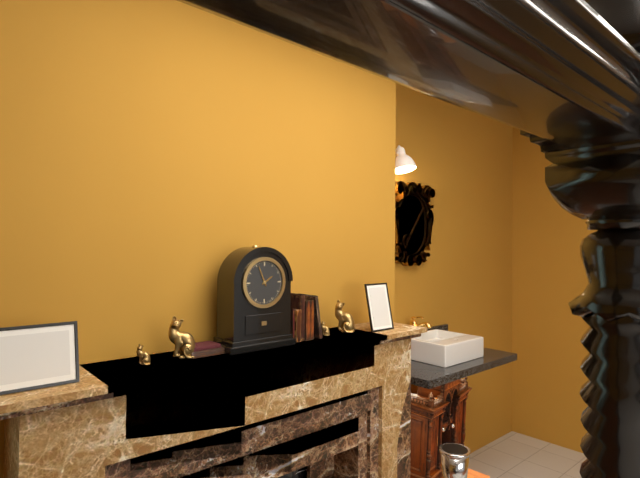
1:56
